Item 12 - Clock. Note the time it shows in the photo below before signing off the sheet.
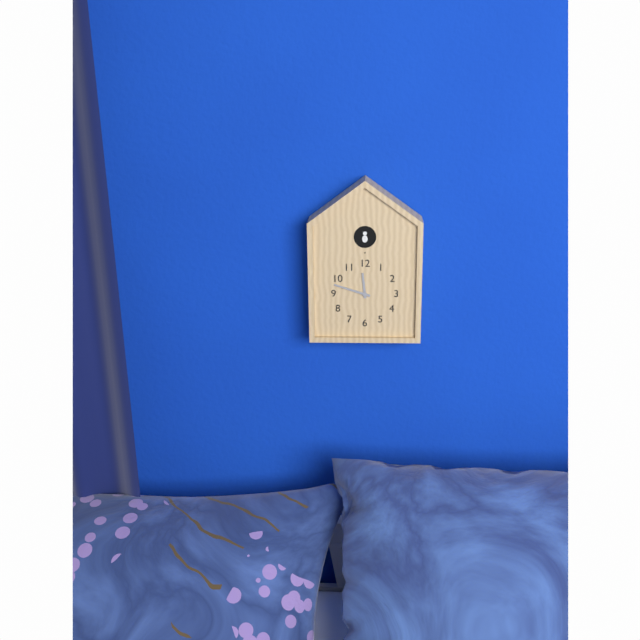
11:48
